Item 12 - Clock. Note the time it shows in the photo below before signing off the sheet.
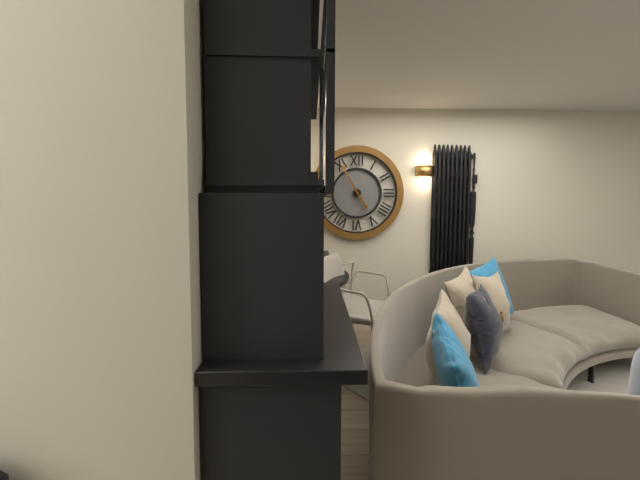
4:55
